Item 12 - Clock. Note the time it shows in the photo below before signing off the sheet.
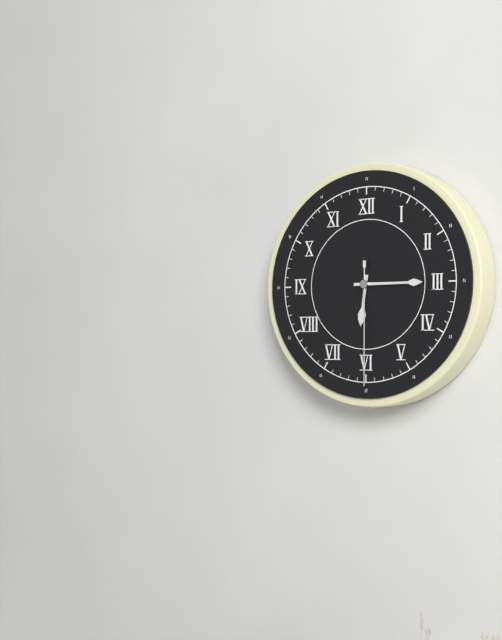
6:15:30
